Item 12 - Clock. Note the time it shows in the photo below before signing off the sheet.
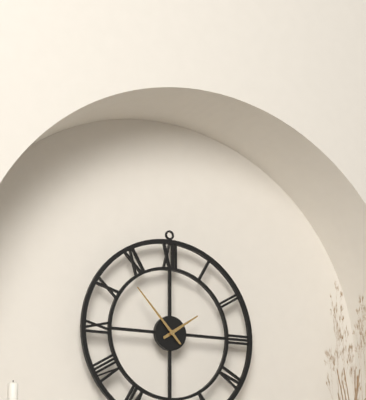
1:53
